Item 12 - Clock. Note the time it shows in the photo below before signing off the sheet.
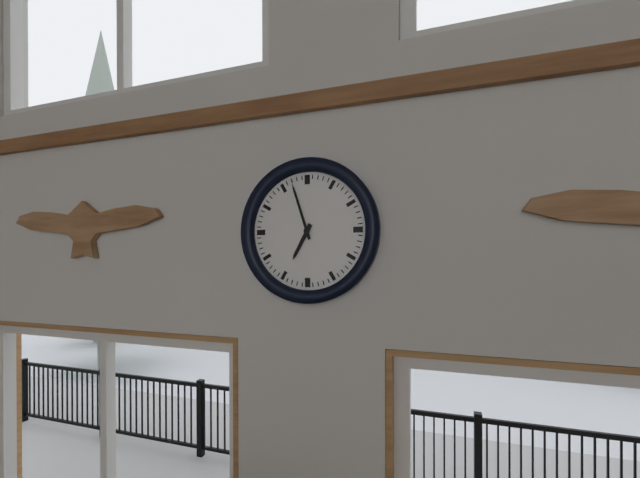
6:57
